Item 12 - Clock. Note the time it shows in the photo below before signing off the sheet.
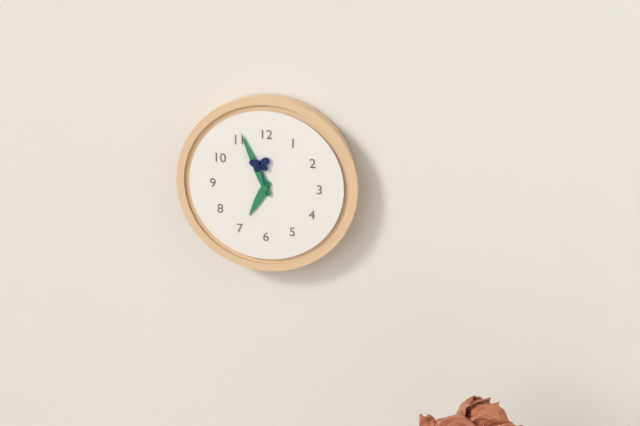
6:56
